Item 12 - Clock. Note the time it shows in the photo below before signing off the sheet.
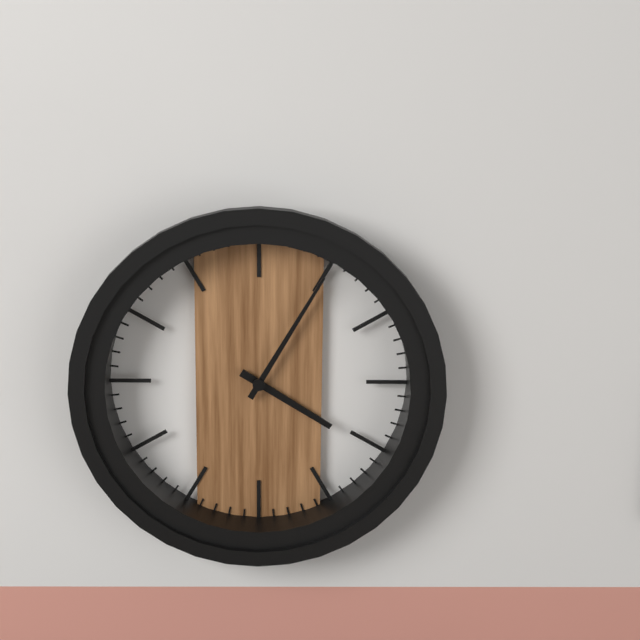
4:05
